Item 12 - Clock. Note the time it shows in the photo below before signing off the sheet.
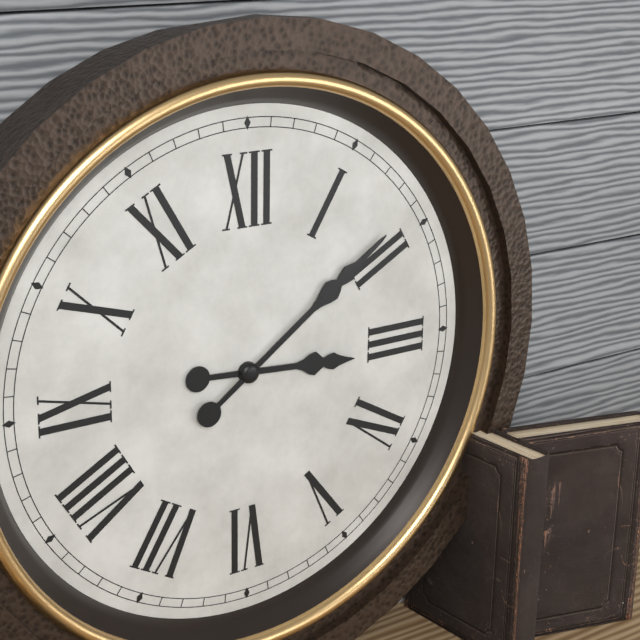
3:09
